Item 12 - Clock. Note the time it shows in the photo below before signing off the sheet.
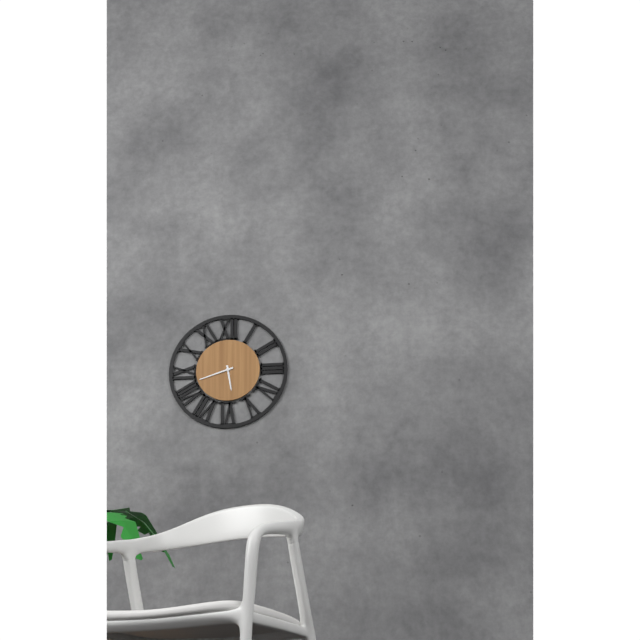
5:42
